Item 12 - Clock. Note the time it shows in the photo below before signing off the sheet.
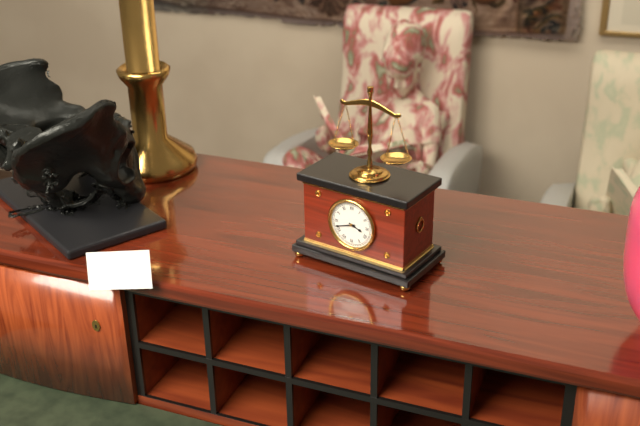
3:42
